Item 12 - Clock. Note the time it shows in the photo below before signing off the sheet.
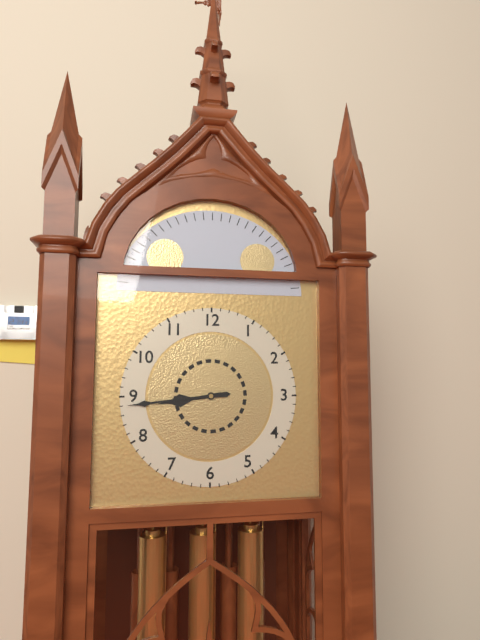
8:44
